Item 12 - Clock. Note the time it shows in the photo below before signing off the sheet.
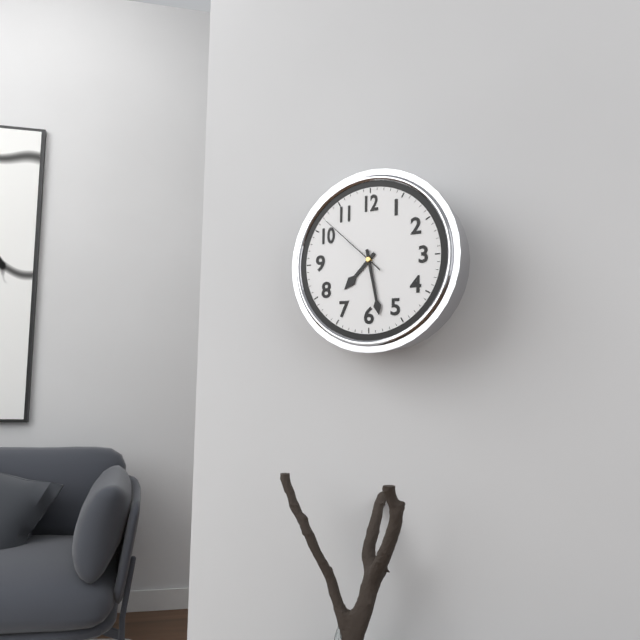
7:28:52
